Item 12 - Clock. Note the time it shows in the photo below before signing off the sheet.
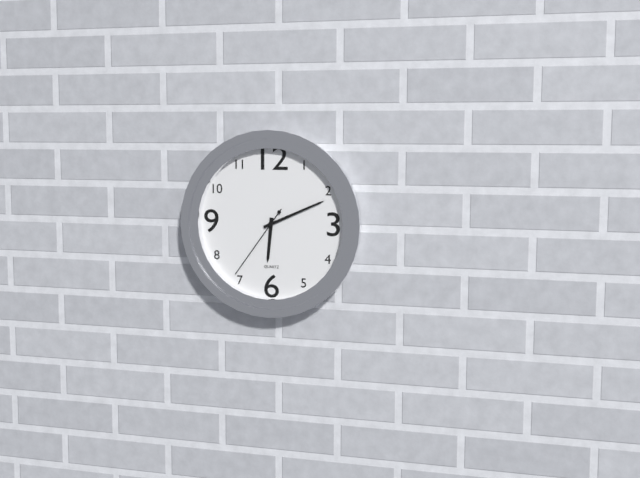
6:11:36
